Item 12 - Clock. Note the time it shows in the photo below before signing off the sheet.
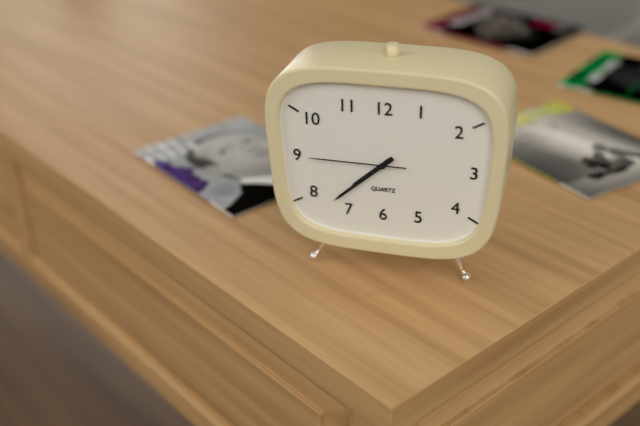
7:38:45
